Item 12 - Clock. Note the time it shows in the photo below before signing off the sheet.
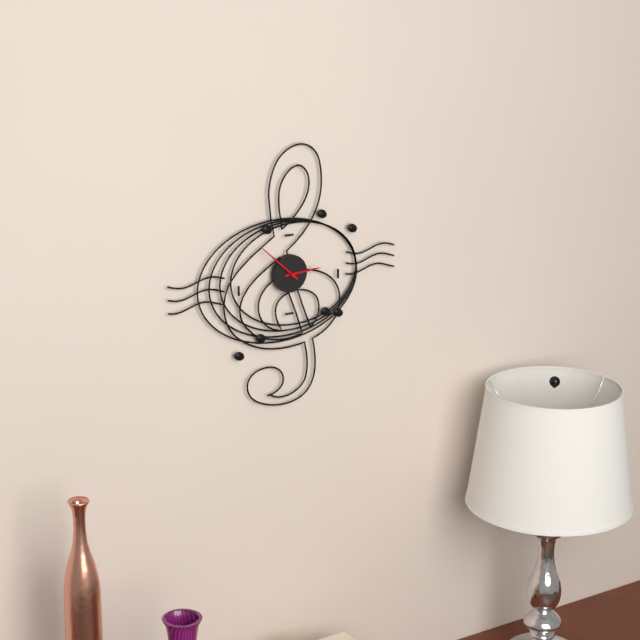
2:52
